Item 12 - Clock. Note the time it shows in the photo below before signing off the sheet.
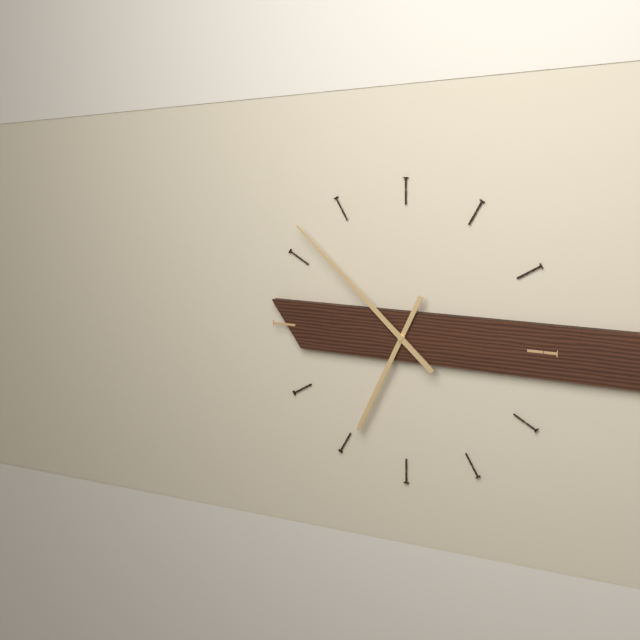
6:52
